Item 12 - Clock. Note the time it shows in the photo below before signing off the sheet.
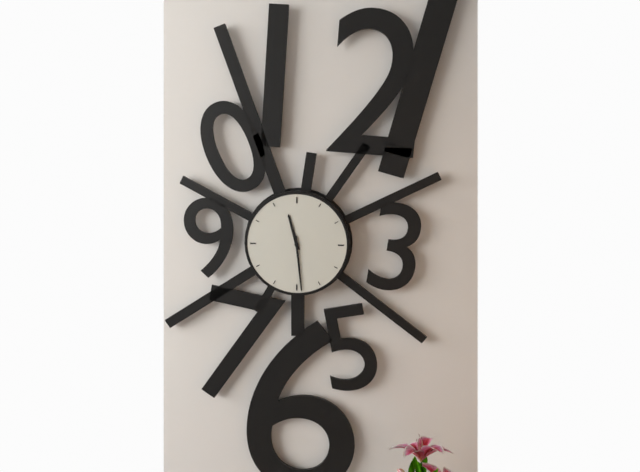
11:29
